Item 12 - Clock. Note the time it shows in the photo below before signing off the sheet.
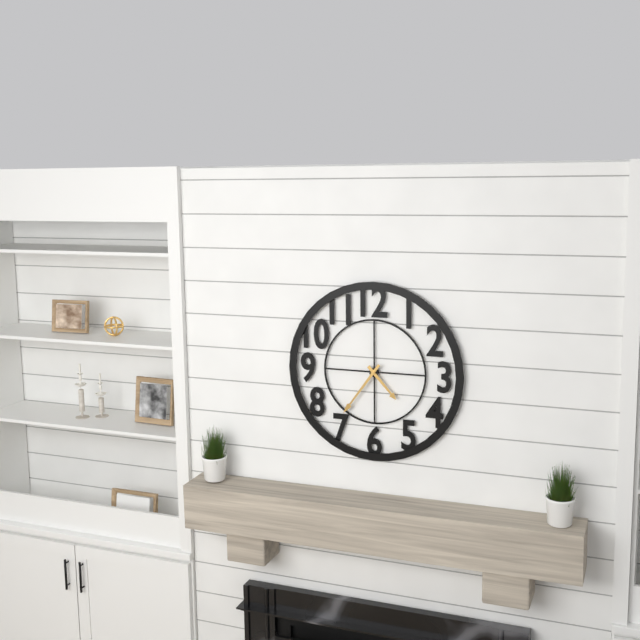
4:36
